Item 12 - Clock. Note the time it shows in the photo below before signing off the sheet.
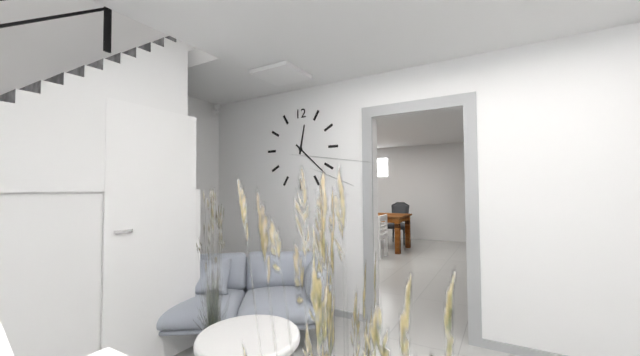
12:22
